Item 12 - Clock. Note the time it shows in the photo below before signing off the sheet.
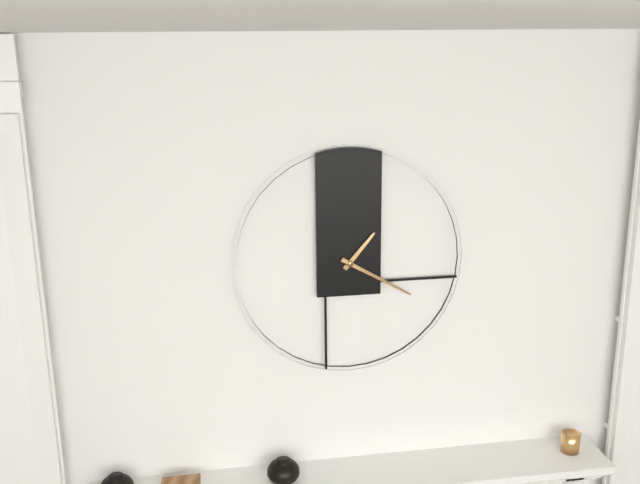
1:20
